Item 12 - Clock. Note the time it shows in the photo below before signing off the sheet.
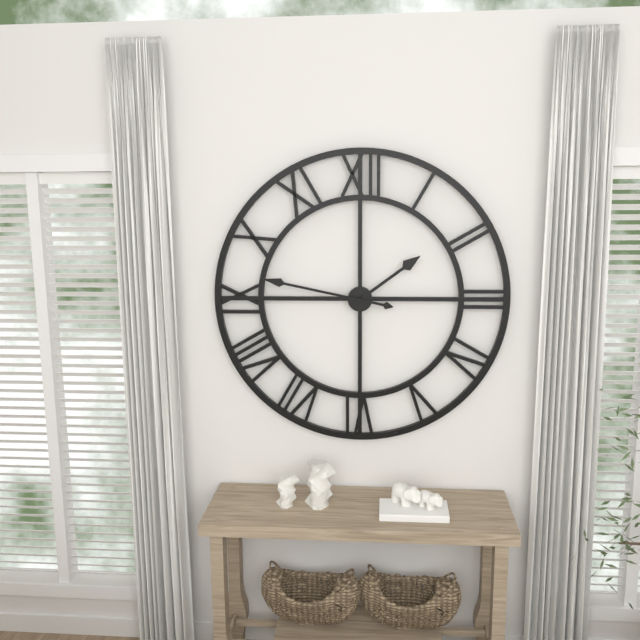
1:47
